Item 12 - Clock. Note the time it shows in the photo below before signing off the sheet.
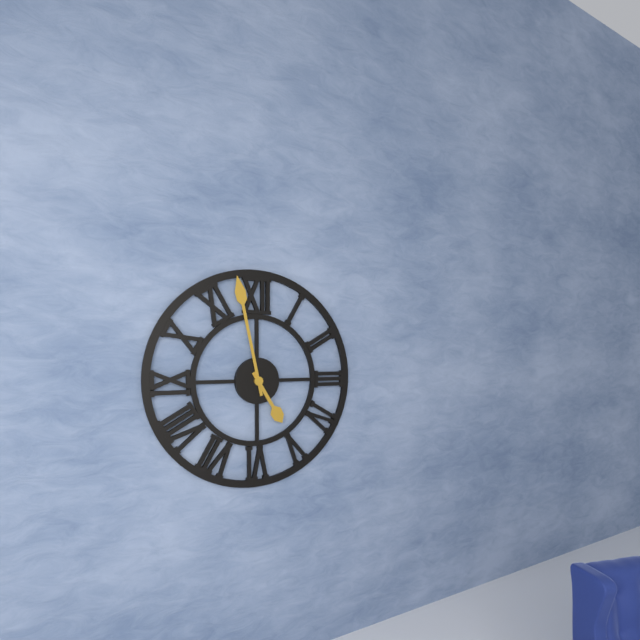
4:58
